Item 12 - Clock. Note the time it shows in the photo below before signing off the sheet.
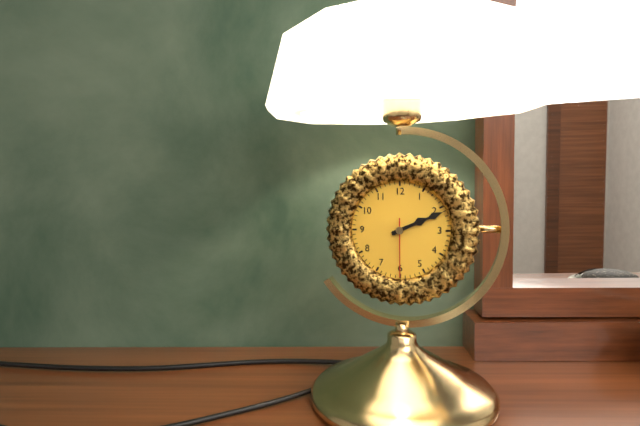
2:11:30
